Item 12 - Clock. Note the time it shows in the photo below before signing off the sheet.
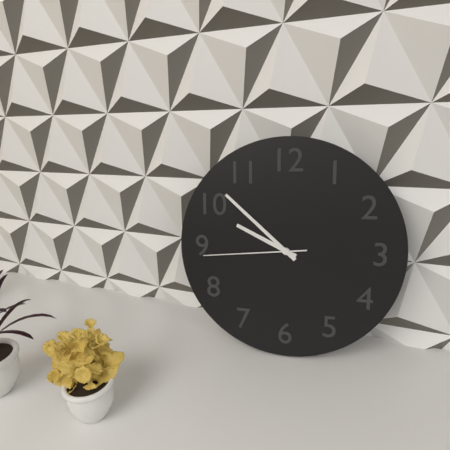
9:52:44
